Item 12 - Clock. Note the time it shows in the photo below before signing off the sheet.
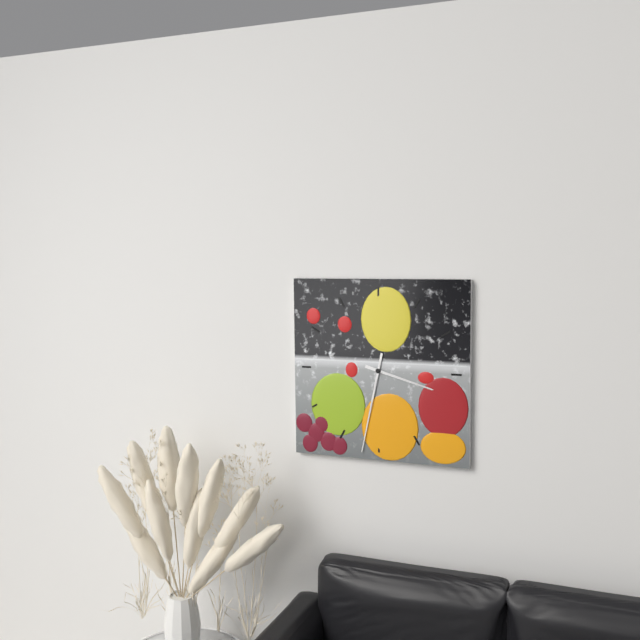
3:32
